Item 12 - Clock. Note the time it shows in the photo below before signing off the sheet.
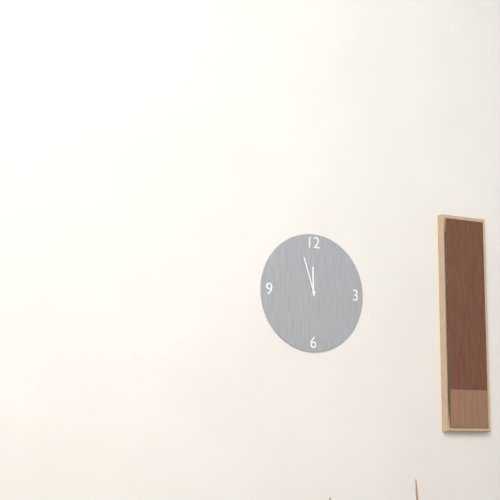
11:57
